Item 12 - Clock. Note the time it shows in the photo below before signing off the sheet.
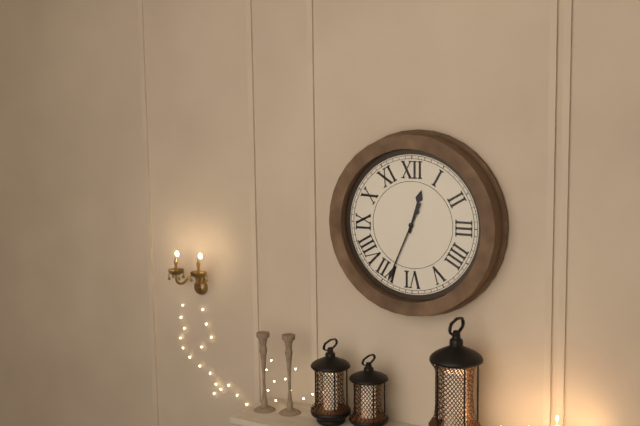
12:34
